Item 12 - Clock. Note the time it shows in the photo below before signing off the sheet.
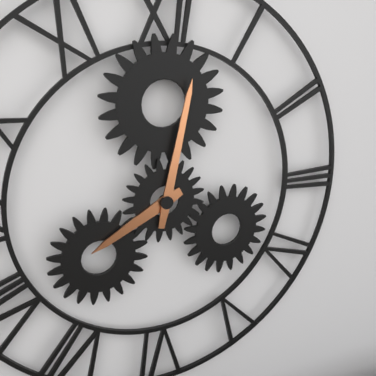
8:02
